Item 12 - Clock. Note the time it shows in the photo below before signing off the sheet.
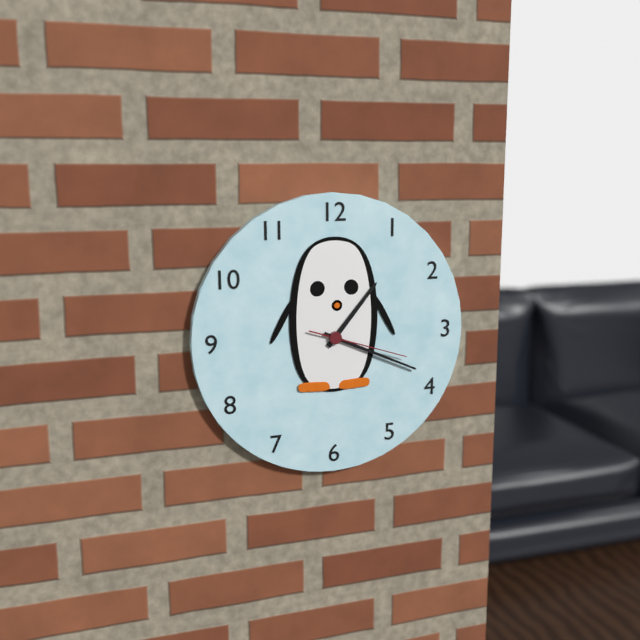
1:19:18
